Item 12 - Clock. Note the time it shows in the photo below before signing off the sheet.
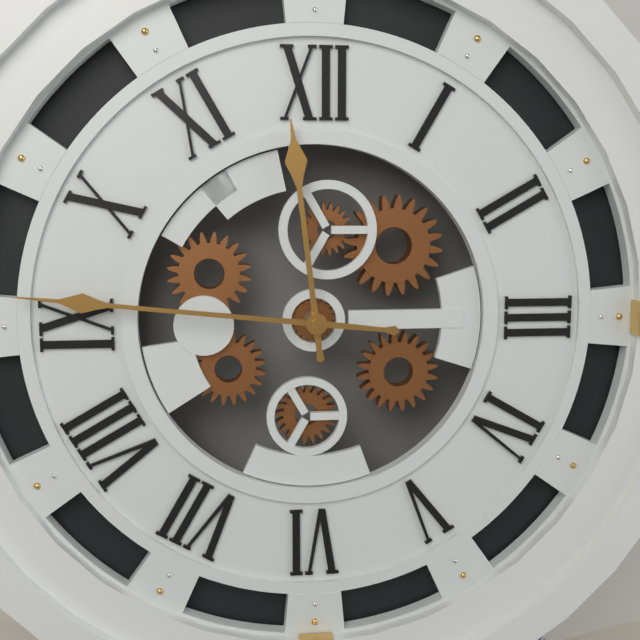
11:46
